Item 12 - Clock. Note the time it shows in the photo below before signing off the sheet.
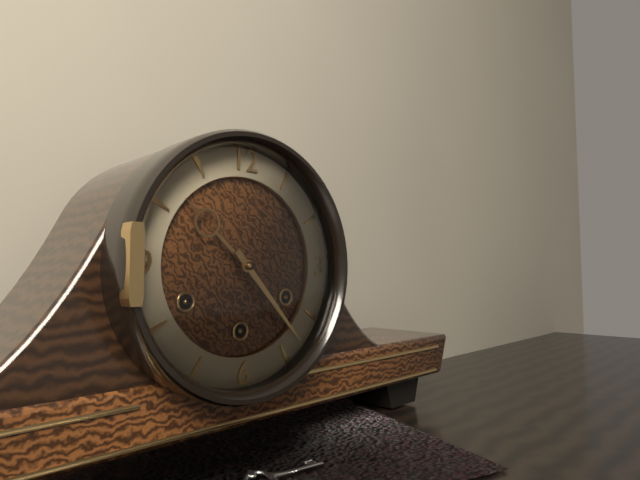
10:23
